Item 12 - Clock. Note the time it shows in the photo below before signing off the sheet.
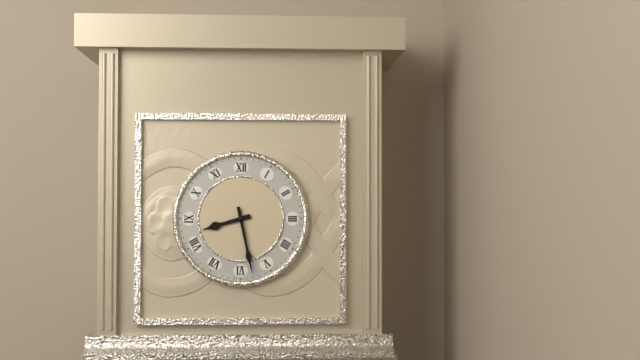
8:28
